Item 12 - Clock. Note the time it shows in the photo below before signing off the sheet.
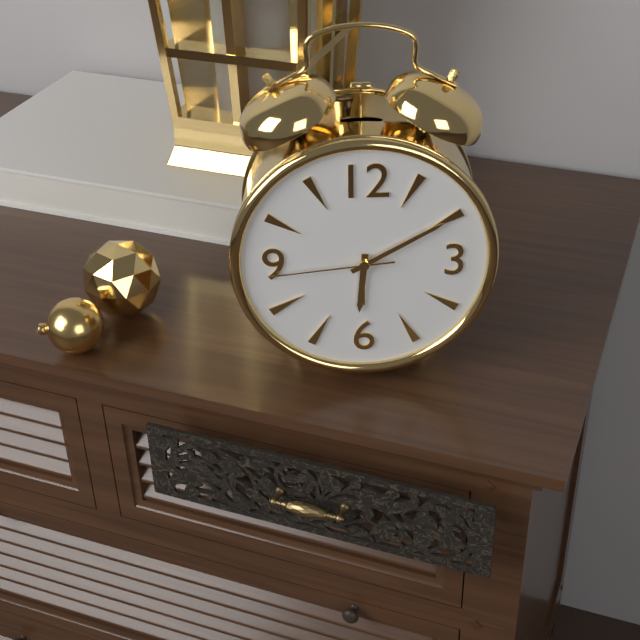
6:10:44
